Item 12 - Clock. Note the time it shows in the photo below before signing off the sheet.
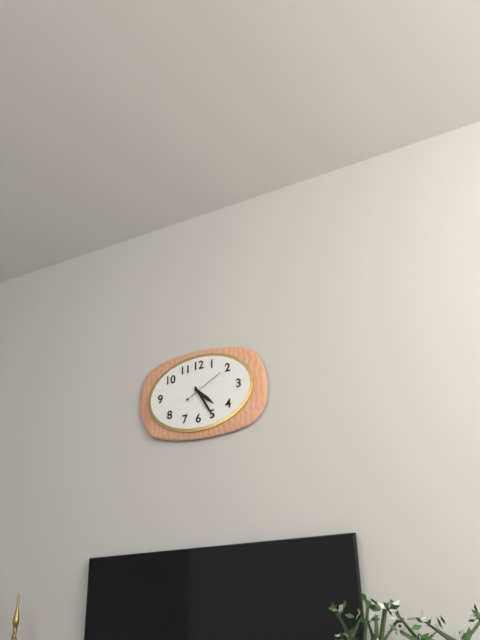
4:25
